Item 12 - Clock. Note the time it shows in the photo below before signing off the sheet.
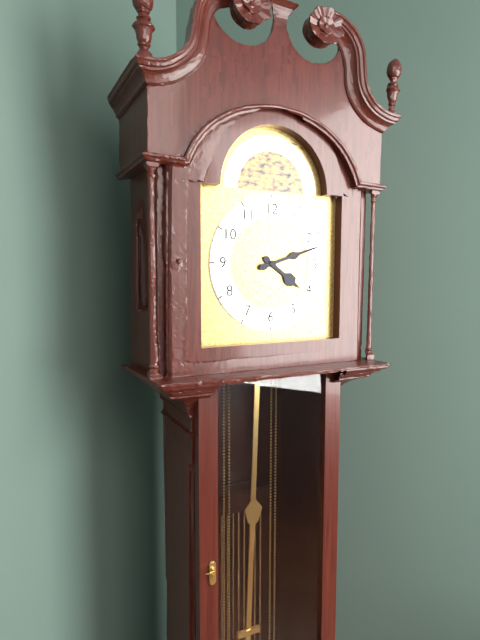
4:12
